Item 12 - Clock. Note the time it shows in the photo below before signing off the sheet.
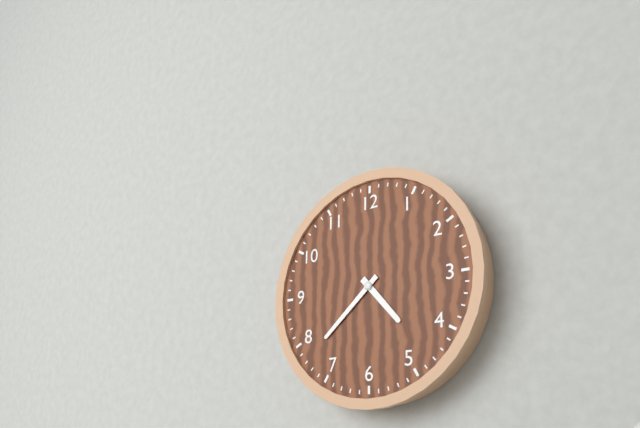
4:38
